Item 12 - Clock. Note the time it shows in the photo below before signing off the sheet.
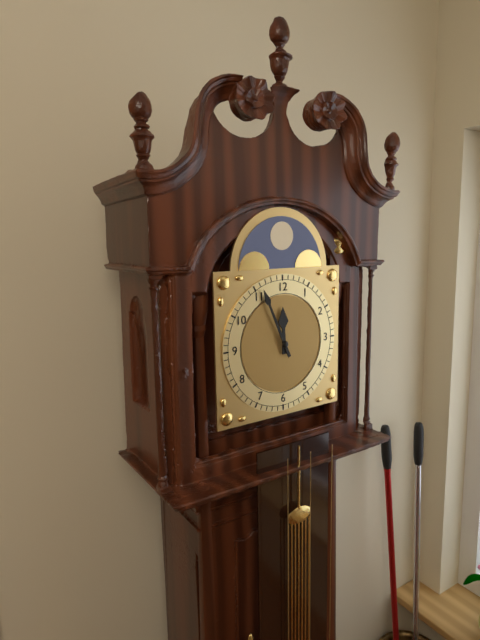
11:56
